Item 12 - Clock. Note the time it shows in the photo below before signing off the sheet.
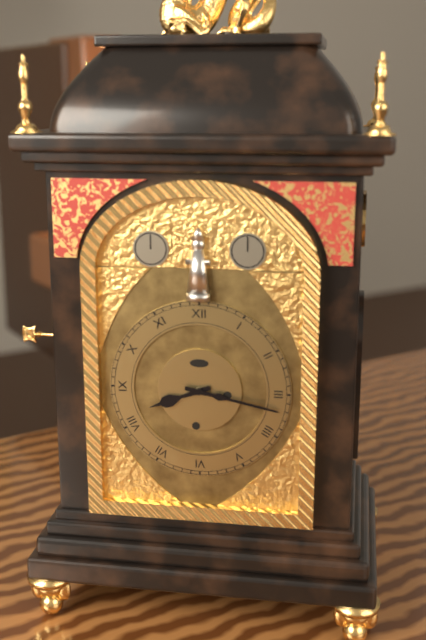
8:17
